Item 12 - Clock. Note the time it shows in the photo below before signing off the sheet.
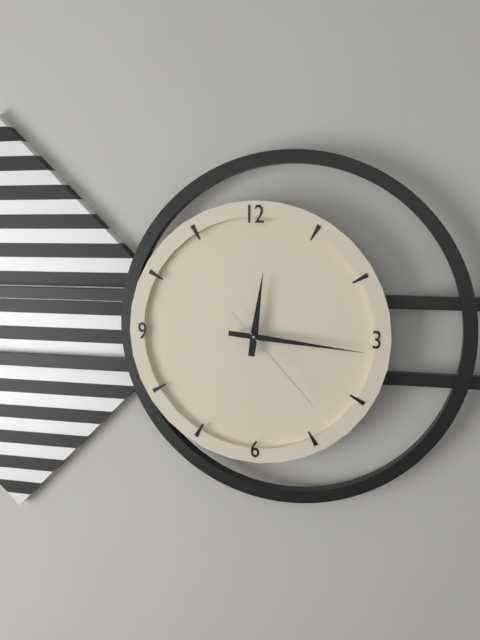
12:16:23
